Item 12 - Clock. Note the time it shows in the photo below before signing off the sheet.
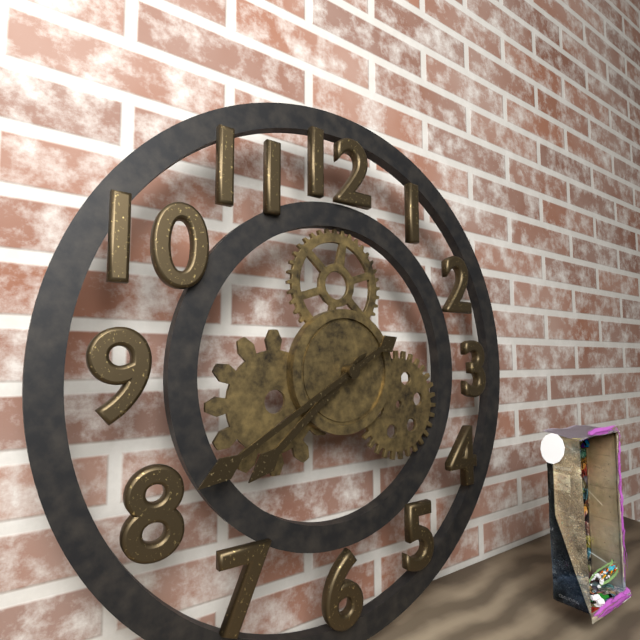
7:40
